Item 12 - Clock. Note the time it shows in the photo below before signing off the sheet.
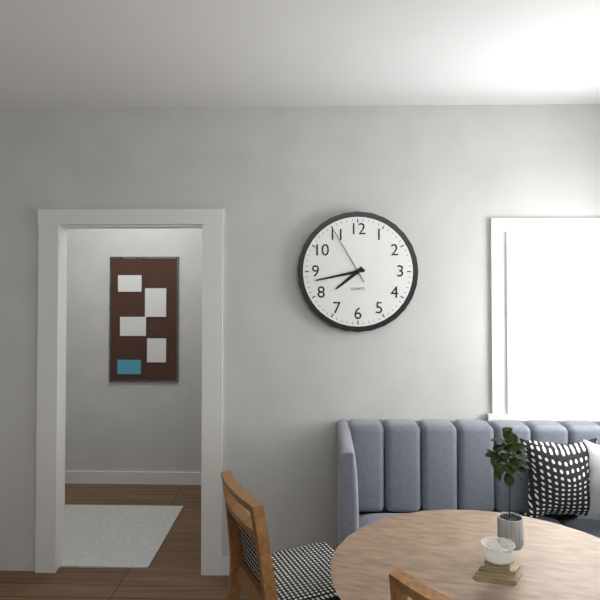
7:43:55
